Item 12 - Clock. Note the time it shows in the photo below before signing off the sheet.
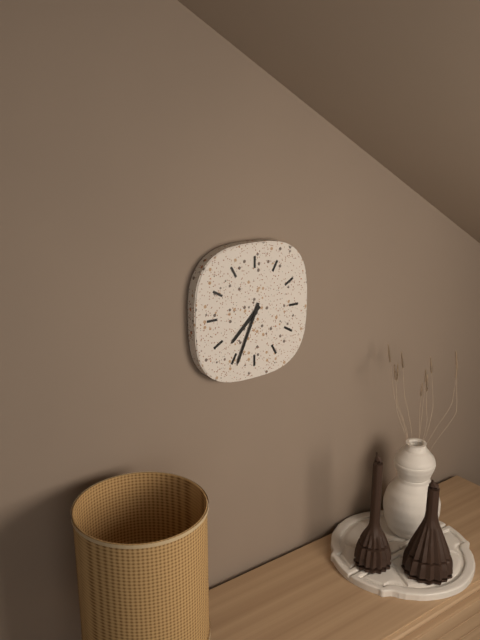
7:34
